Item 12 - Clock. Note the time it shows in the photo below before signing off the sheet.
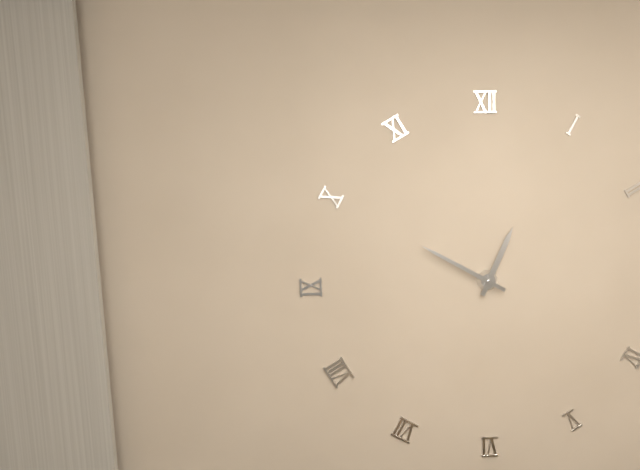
12:50
